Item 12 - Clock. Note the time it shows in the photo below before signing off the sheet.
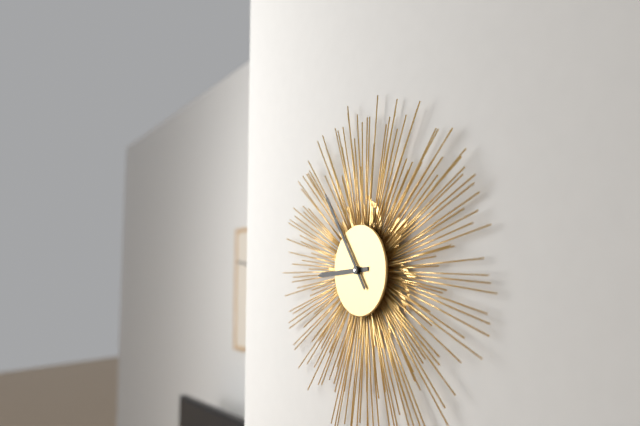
8:54
